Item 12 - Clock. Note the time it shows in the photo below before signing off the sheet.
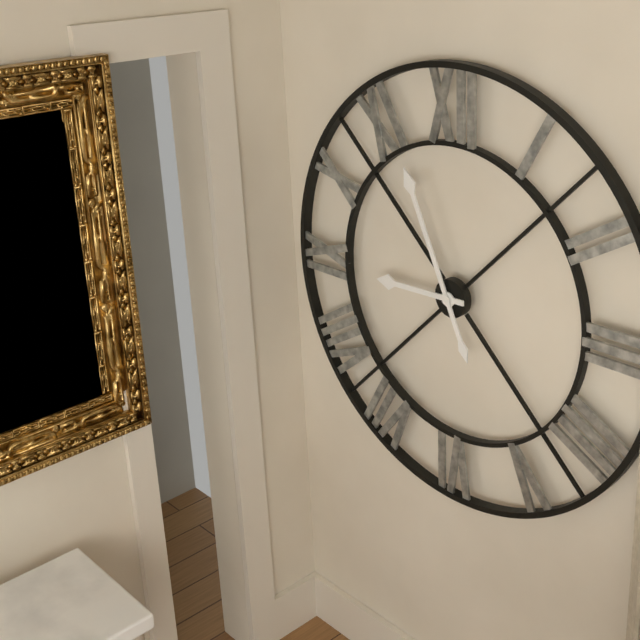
8:56
